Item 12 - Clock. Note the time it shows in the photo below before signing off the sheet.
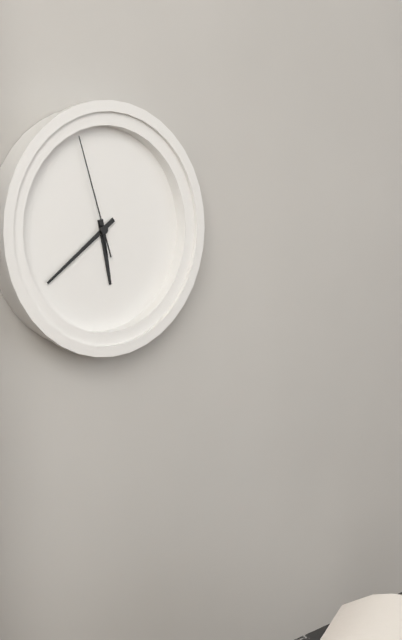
5:39:57
